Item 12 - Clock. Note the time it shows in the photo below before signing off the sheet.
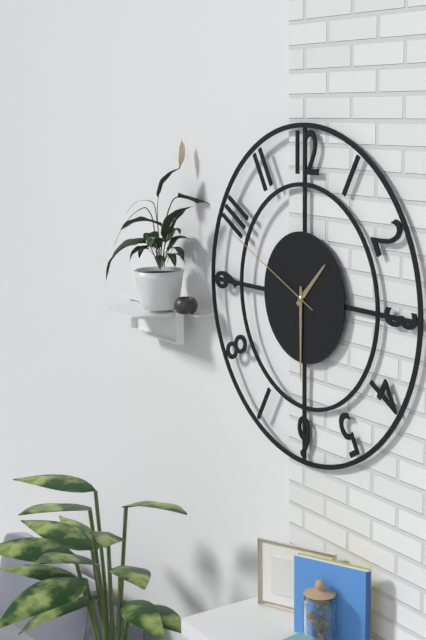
1:30:49
